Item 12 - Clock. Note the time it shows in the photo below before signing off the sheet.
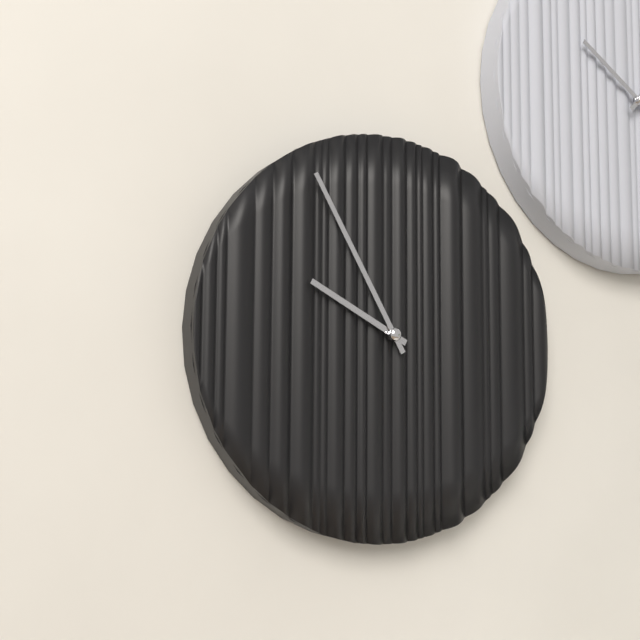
9:55
